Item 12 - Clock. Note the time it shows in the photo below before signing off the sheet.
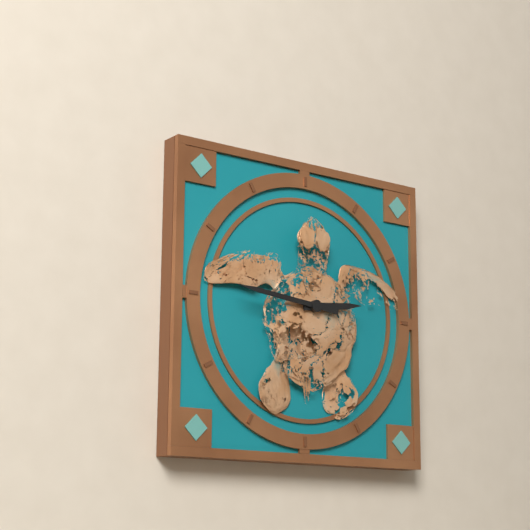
2:46
